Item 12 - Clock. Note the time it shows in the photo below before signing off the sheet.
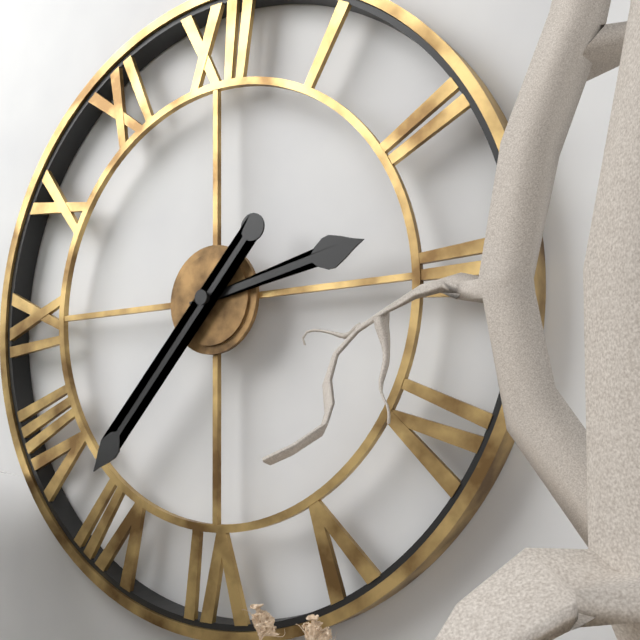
2:37
